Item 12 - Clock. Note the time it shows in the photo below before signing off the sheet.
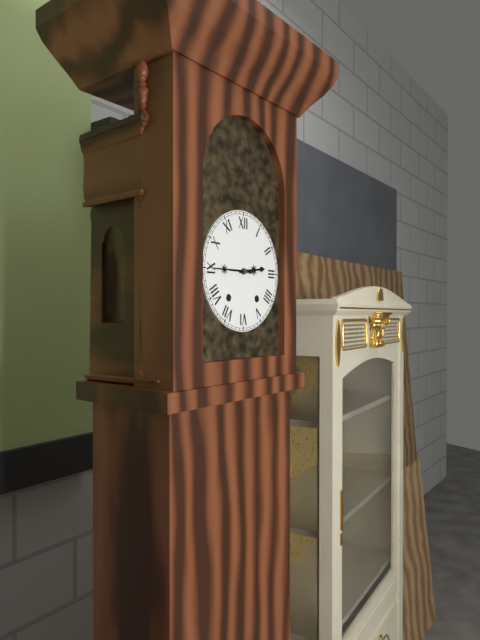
2:45
